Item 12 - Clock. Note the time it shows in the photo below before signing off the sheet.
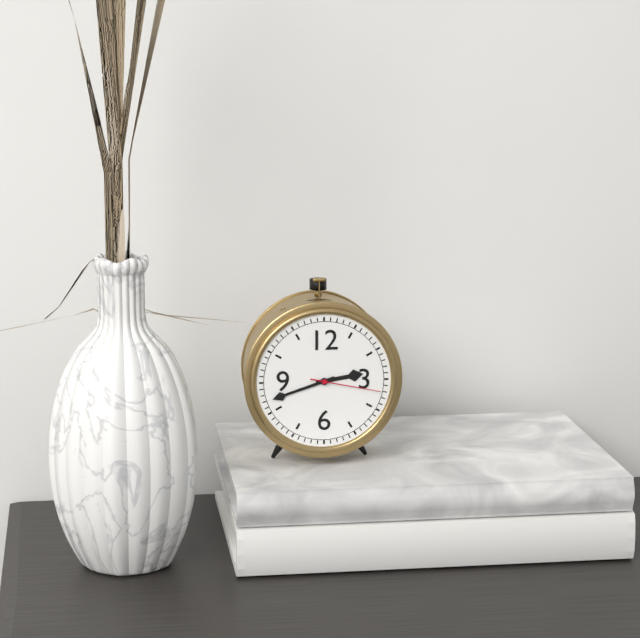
2:42:17
